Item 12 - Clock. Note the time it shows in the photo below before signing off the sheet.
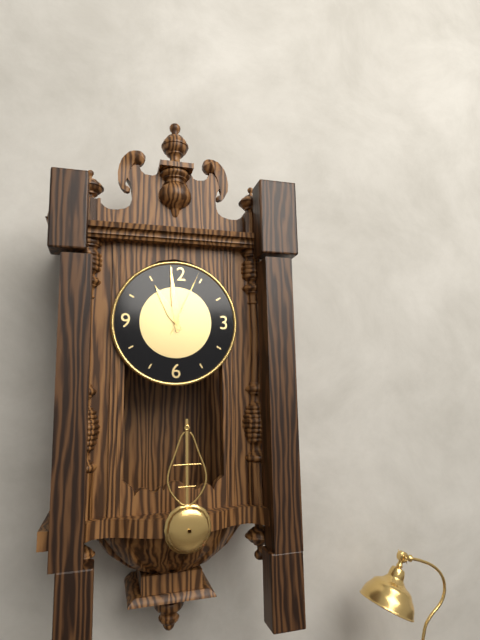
10:59:04
